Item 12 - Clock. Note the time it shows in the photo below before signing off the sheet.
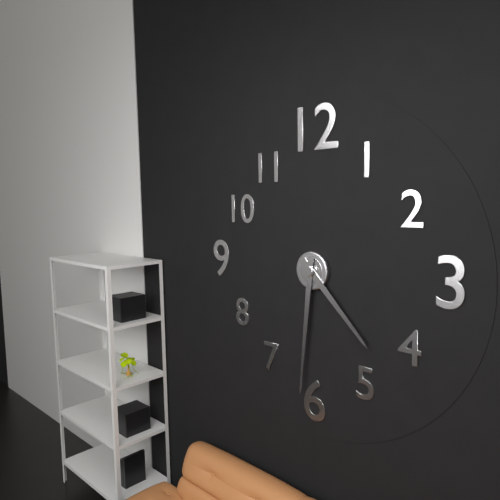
4:31
